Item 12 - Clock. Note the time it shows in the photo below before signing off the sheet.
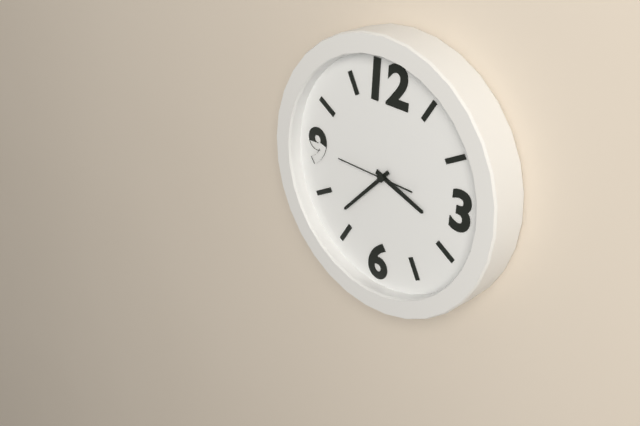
3:37:45
